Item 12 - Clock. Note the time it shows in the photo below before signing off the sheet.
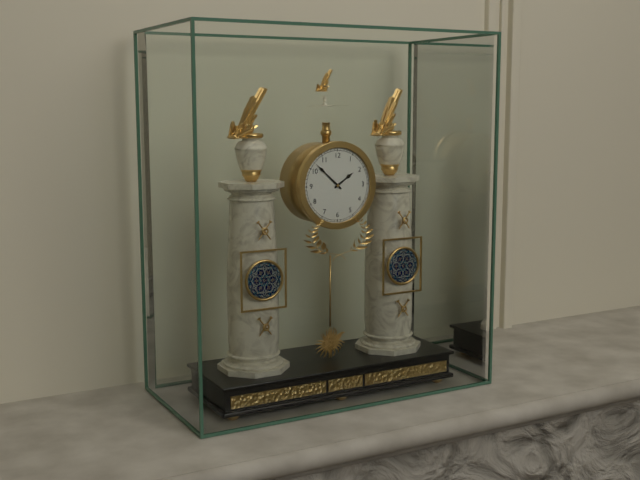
1:52
